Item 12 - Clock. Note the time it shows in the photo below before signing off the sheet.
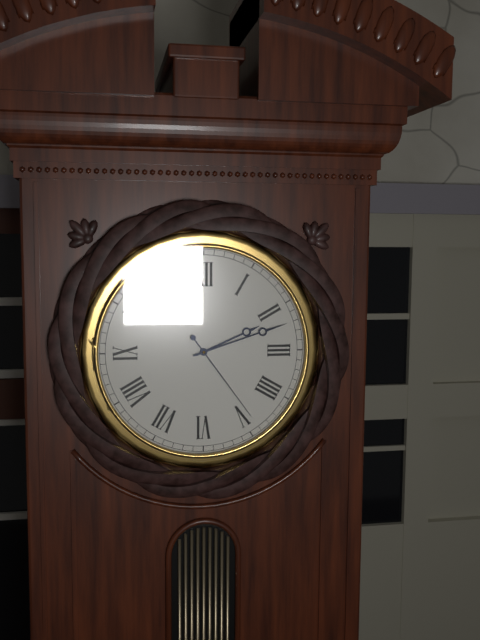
2:12:24
